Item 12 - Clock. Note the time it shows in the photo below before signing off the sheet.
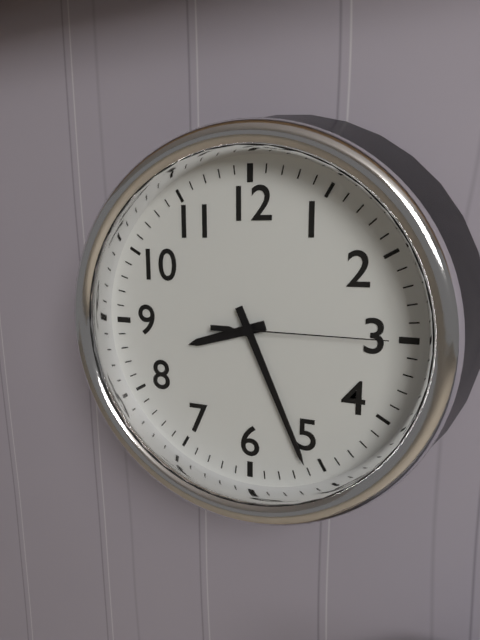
8:26:15
